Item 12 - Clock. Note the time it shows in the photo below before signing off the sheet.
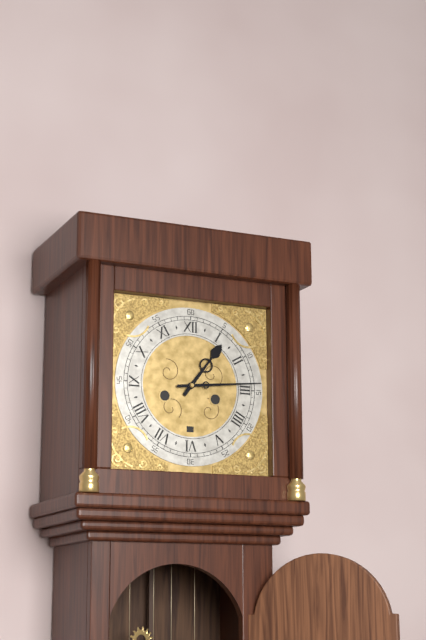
1:14
